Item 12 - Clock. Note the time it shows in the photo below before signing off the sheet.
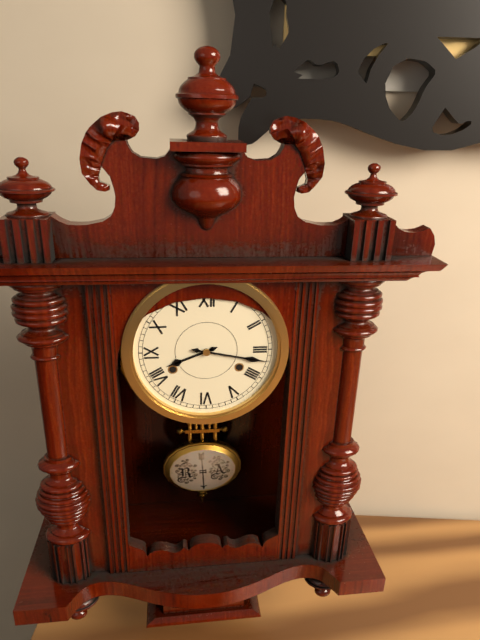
8:17
